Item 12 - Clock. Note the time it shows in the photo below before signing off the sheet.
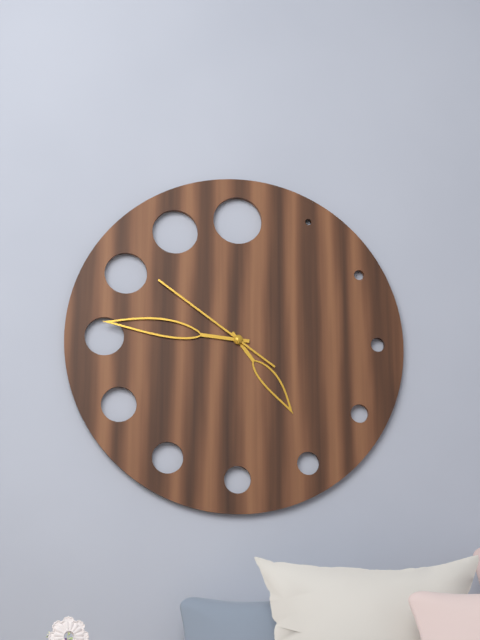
4:46:51
